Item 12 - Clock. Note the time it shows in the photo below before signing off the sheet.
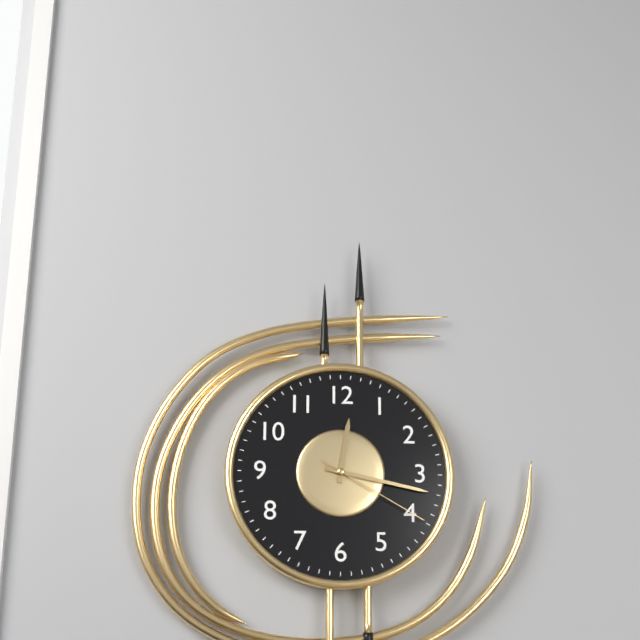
12:17:20
